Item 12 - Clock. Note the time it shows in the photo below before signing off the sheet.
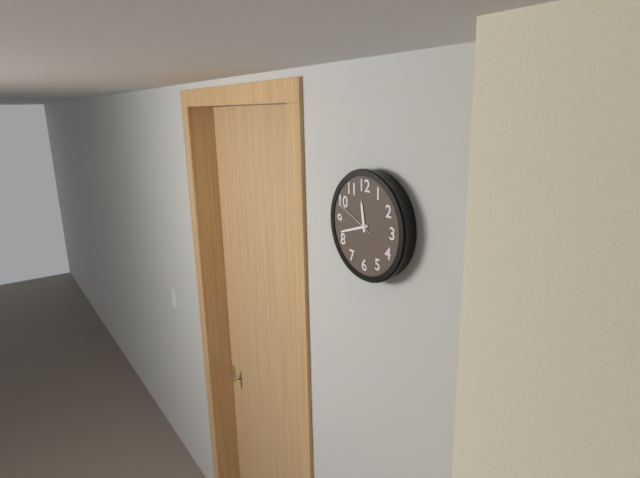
11:42
